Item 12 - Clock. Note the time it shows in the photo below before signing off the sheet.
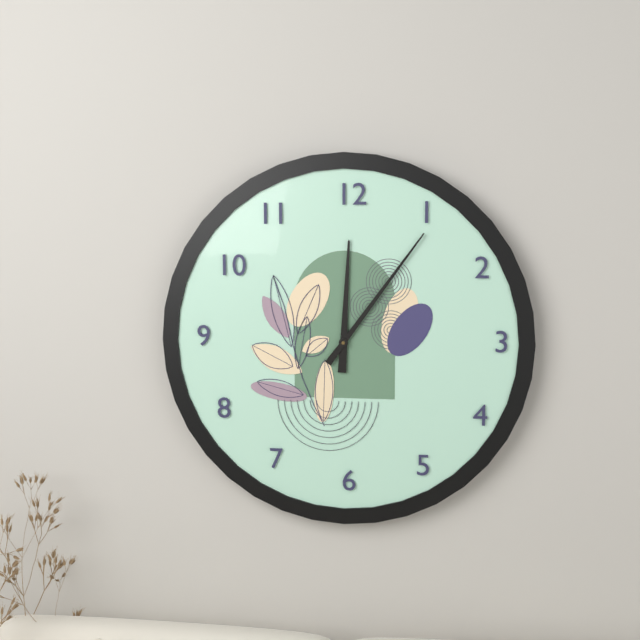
12:06
